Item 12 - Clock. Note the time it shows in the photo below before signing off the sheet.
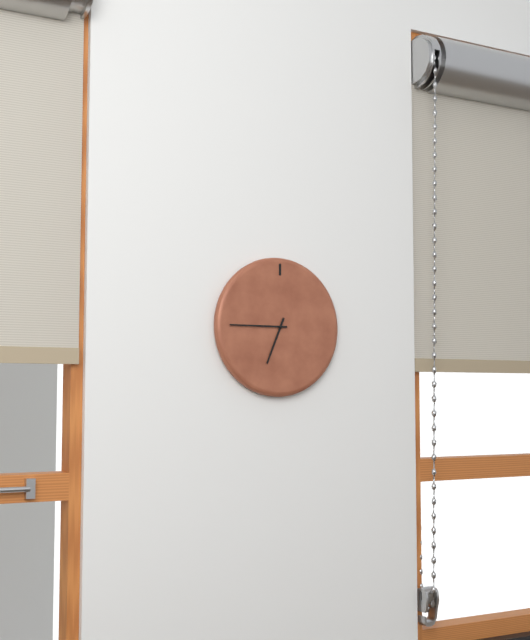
6:45
